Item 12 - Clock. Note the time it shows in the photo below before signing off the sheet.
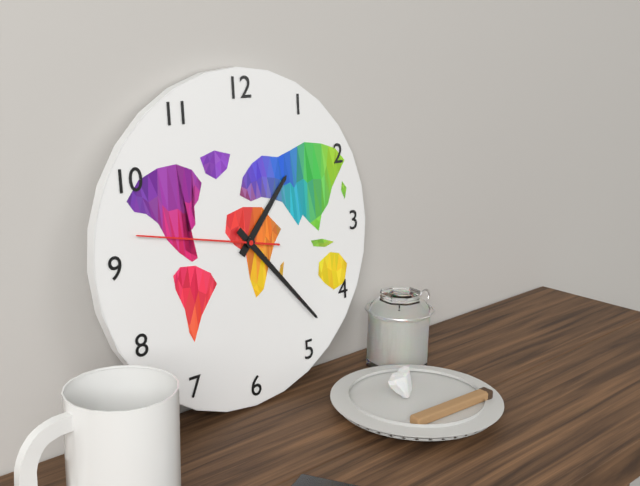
1:23:47
